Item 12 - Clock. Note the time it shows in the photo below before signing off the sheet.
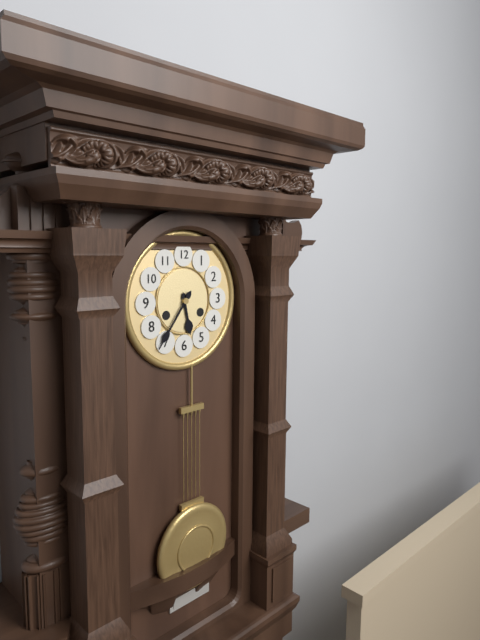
5:36
